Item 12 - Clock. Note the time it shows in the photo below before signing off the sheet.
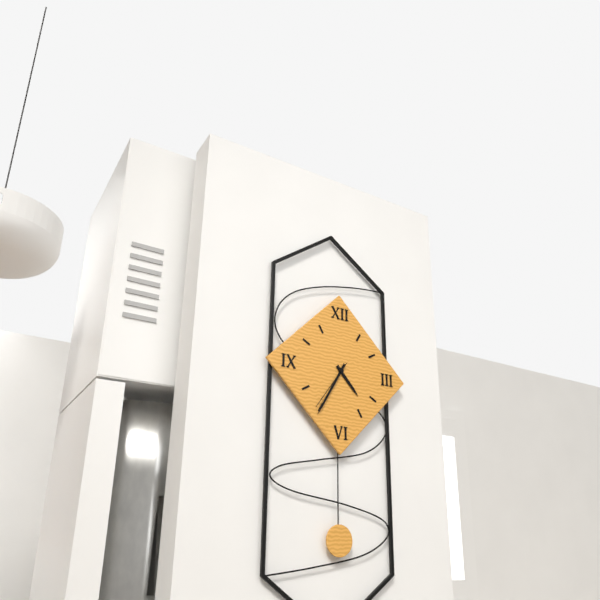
4:35
